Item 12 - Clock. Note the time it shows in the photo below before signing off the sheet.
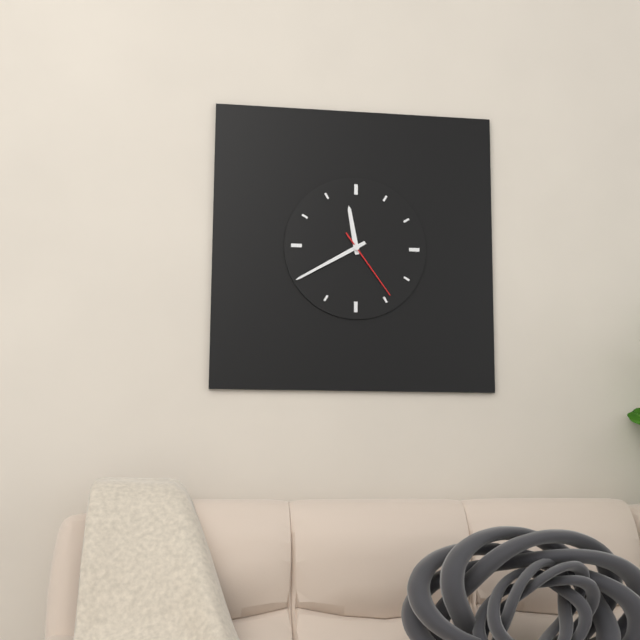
11:40:24
